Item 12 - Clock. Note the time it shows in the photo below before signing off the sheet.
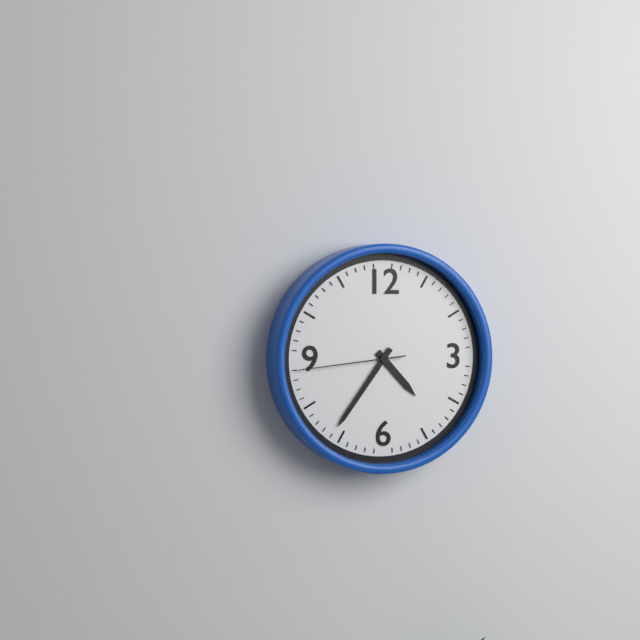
4:36:44
